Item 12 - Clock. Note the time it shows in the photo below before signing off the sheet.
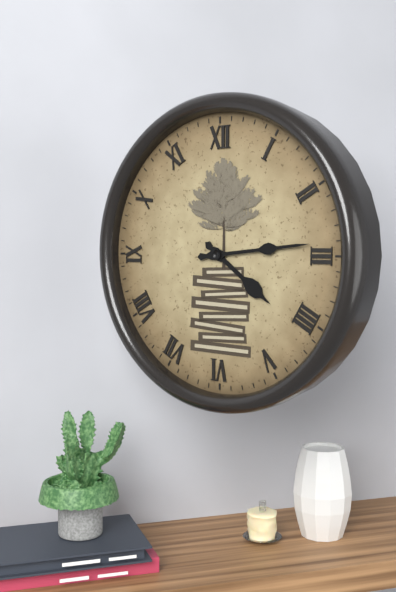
4:14
